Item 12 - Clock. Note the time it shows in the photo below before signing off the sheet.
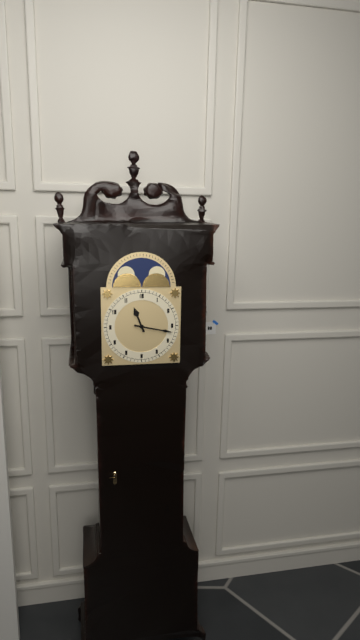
11:17
